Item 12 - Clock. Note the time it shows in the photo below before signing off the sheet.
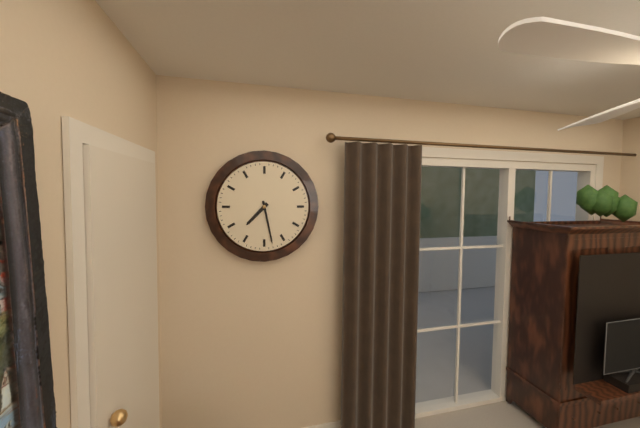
7:28
